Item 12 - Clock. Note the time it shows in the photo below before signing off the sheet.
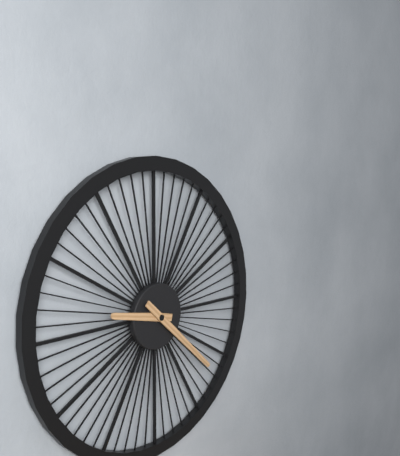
9:22
